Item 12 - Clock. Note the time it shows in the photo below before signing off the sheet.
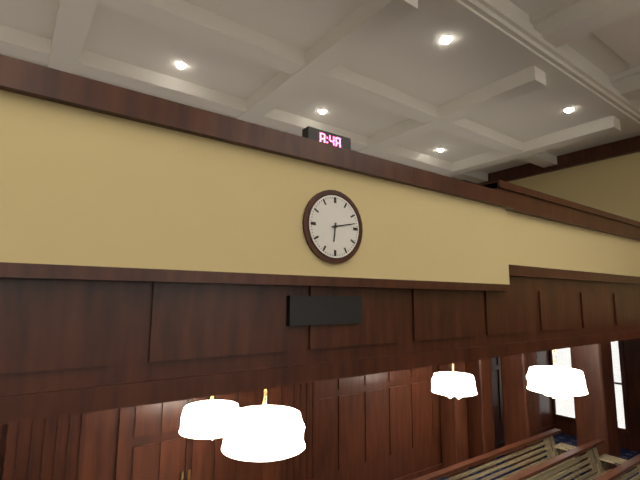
6:13
